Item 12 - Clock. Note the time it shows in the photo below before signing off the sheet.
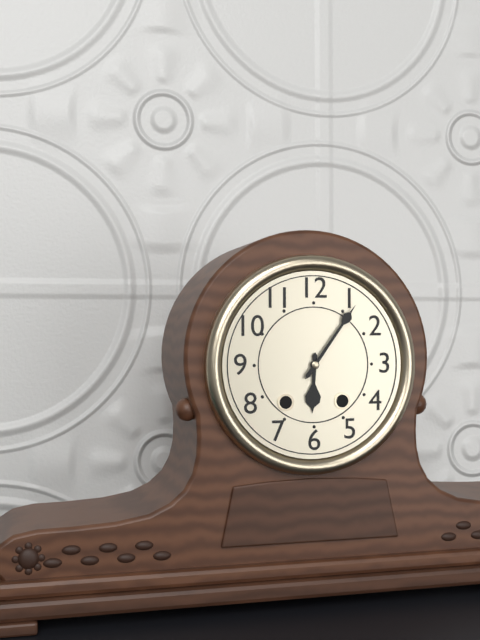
6:06
